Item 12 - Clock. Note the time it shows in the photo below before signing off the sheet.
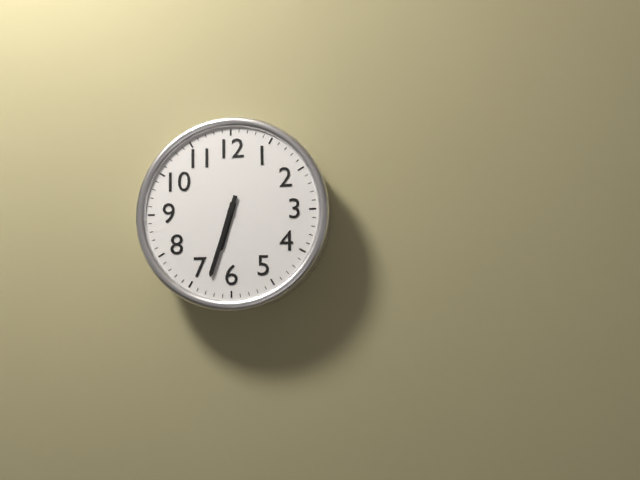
6:33
